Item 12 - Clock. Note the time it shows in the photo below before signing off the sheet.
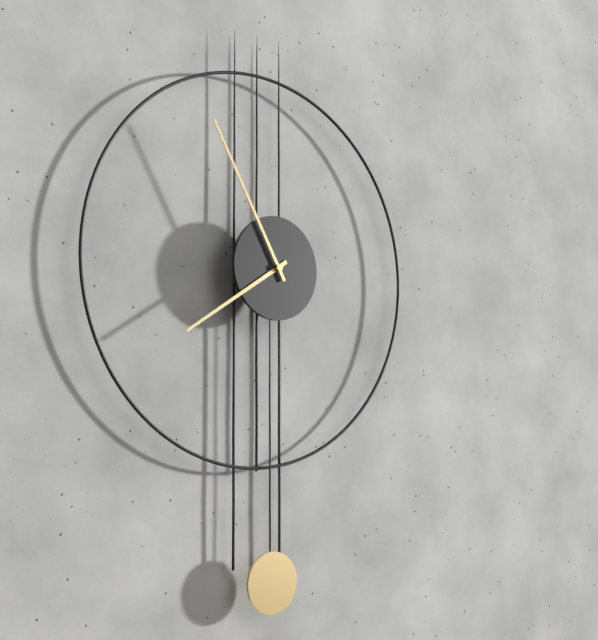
7:55
